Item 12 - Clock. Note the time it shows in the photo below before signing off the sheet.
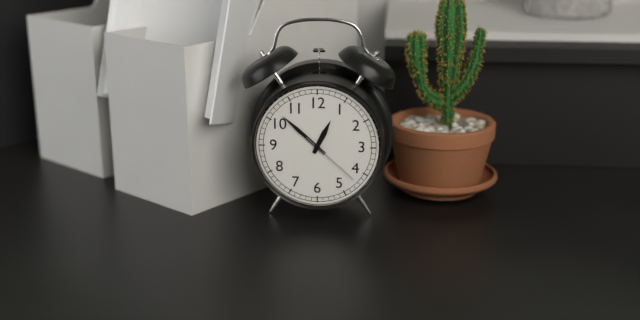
12:52:22
